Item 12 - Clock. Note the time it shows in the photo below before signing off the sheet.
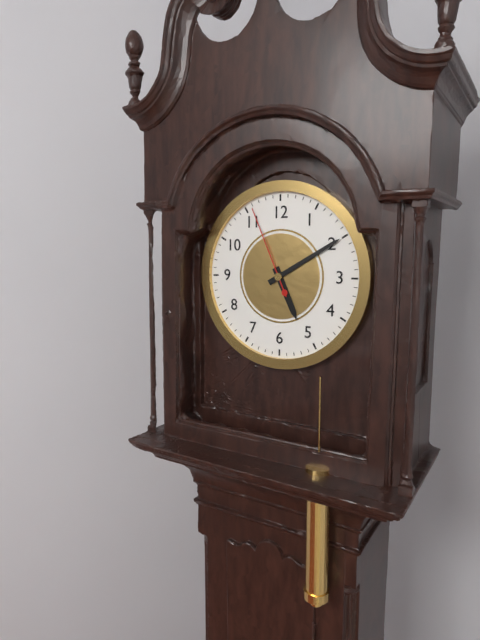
5:10:56
